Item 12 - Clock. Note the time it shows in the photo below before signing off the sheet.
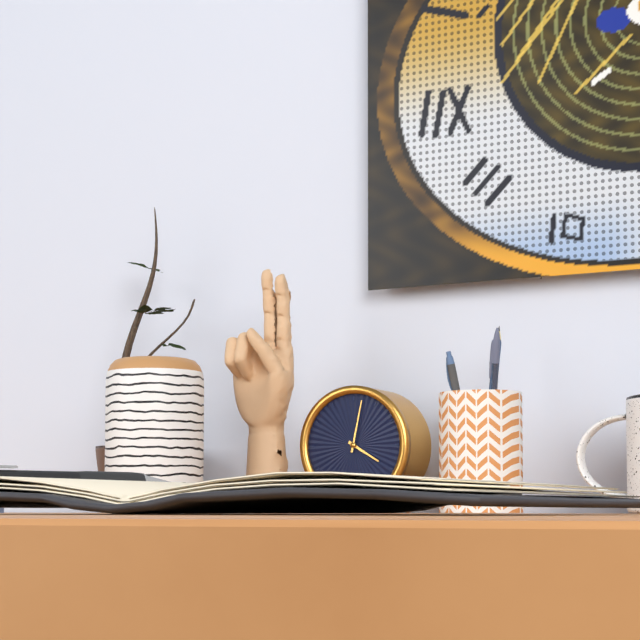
4:02
